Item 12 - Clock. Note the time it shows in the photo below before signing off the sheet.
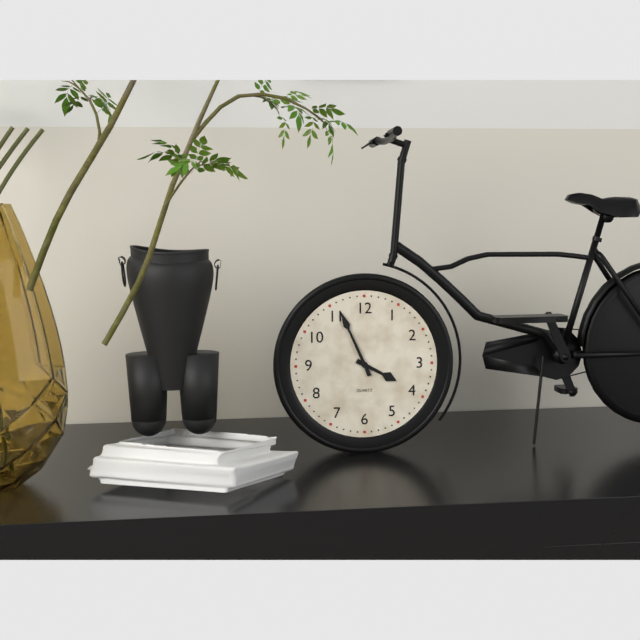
3:56
